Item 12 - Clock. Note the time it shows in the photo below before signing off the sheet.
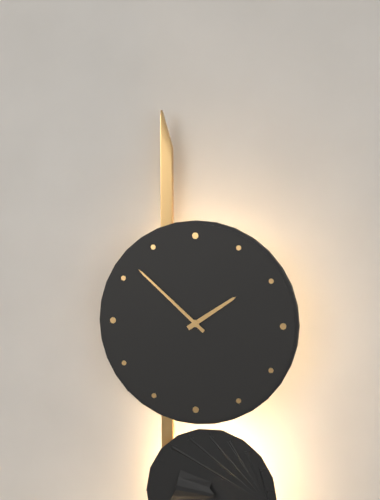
1:52
